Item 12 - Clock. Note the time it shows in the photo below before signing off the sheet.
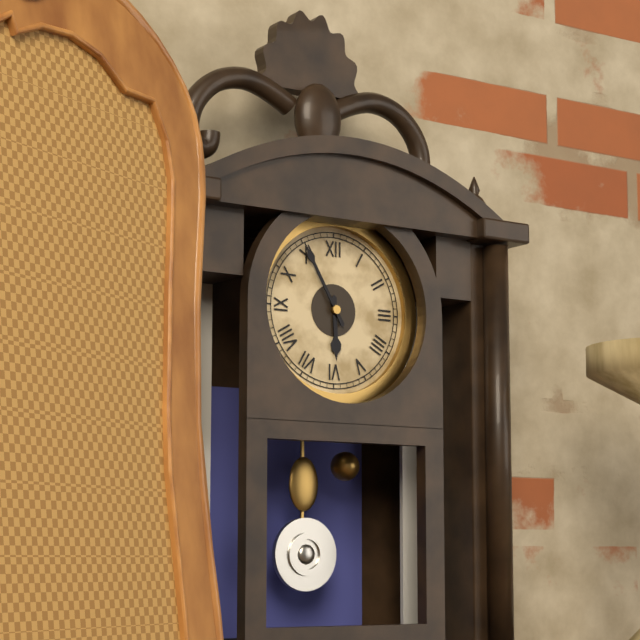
5:55
